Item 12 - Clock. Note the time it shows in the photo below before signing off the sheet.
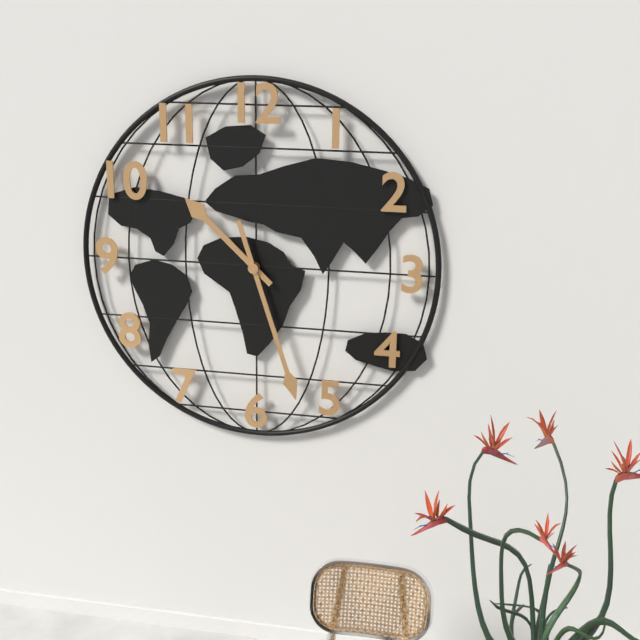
10:27
